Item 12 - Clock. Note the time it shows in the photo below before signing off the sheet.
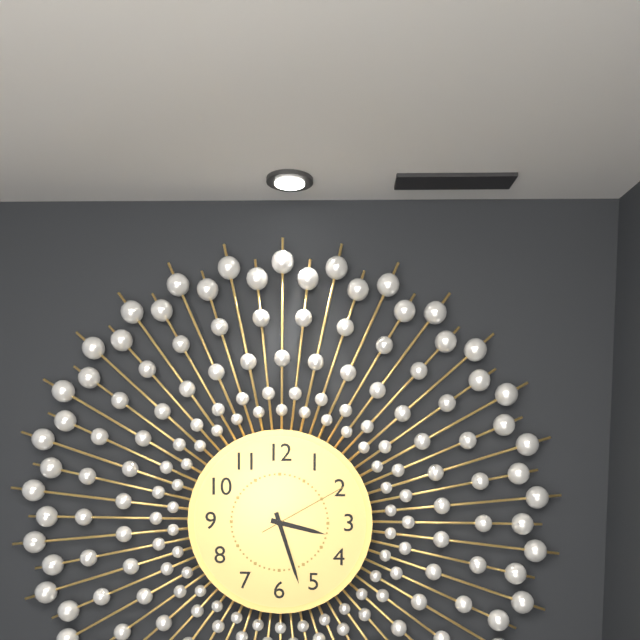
3:27:10
